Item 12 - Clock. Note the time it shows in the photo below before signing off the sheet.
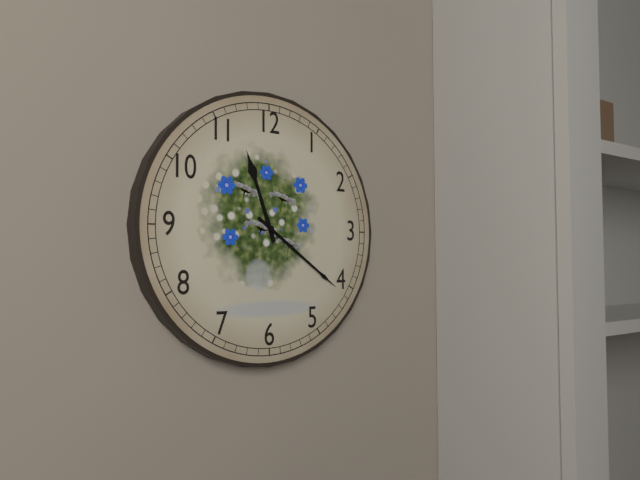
11:21
